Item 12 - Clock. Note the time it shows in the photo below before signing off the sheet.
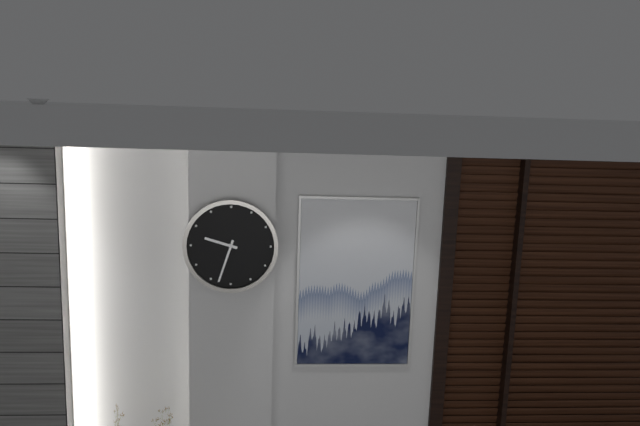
9:33
